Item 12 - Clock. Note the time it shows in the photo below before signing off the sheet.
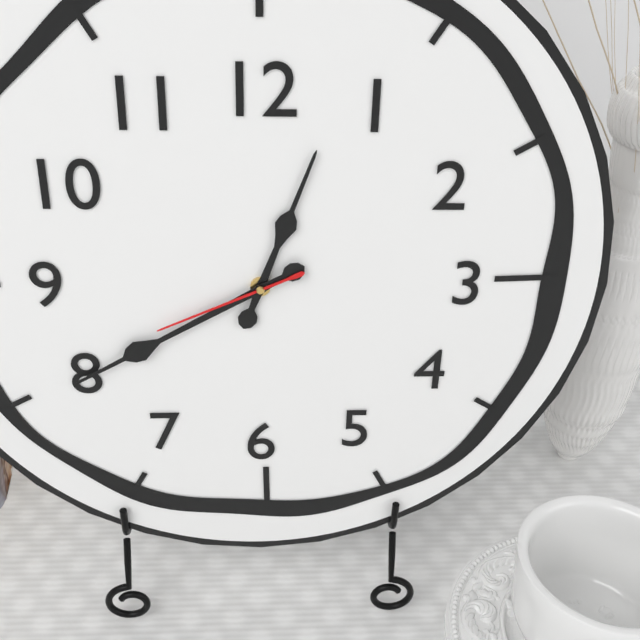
12:40:41
